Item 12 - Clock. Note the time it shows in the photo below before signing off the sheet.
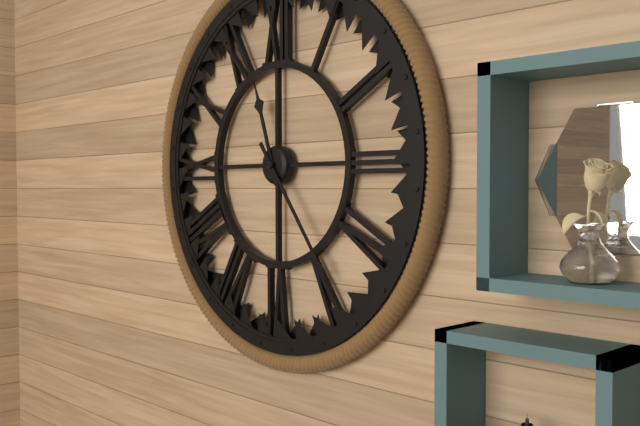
11:24
